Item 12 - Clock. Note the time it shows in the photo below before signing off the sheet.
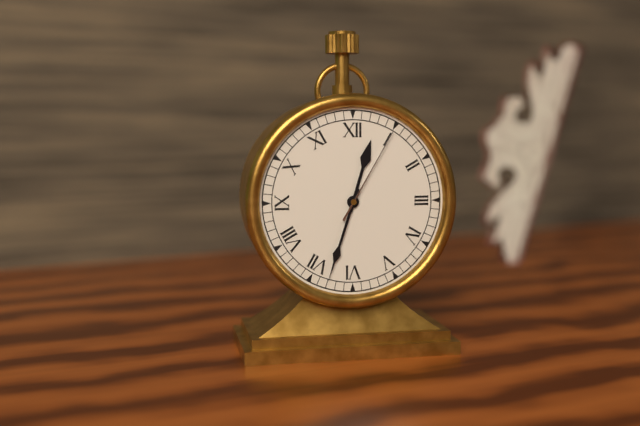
12:33:05
